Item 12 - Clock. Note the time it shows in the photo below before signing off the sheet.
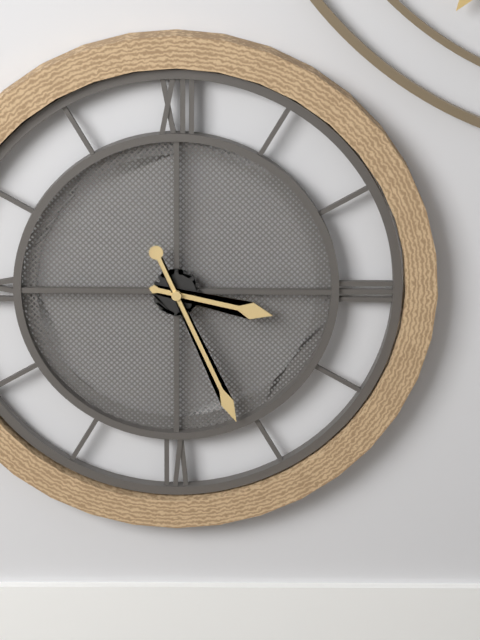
3:26
